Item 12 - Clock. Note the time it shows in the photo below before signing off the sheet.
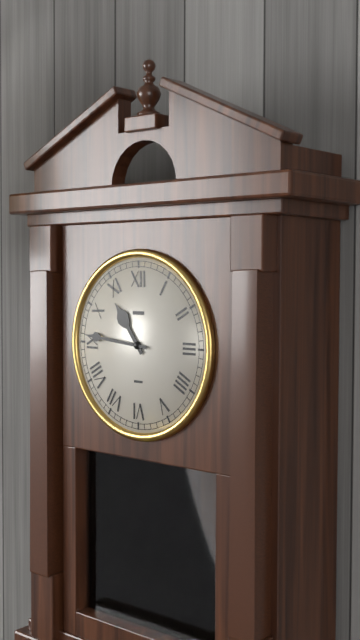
10:46
